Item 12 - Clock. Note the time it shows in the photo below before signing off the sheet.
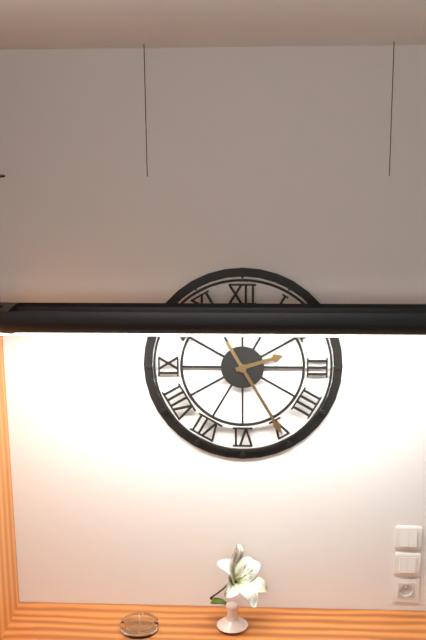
2:25
